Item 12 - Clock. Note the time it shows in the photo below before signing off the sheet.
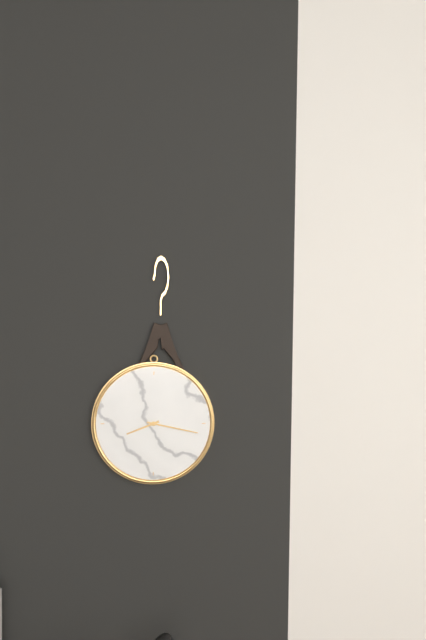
8:17
